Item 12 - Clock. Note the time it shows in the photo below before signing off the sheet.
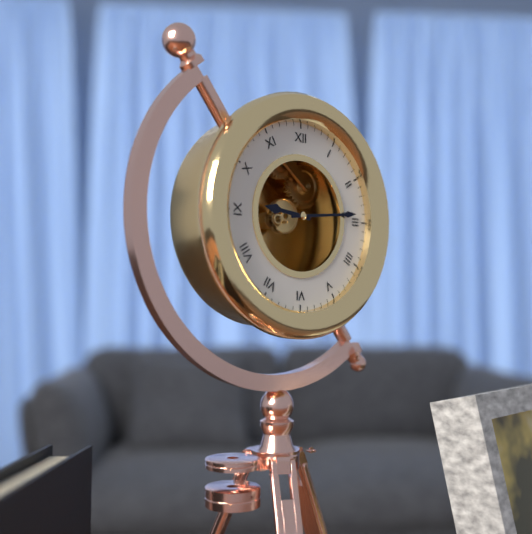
9:14
